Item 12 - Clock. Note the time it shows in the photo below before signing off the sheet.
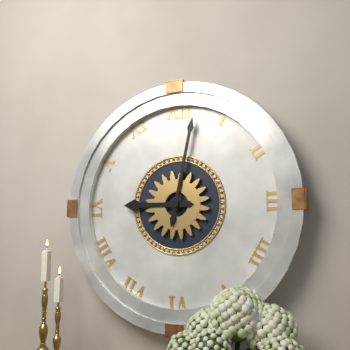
9:02
